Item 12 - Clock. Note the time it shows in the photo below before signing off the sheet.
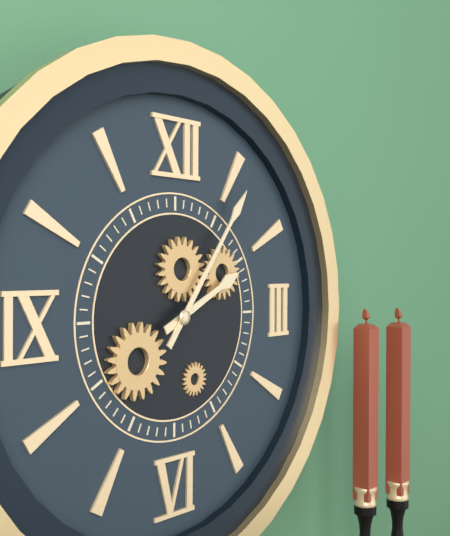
2:06
